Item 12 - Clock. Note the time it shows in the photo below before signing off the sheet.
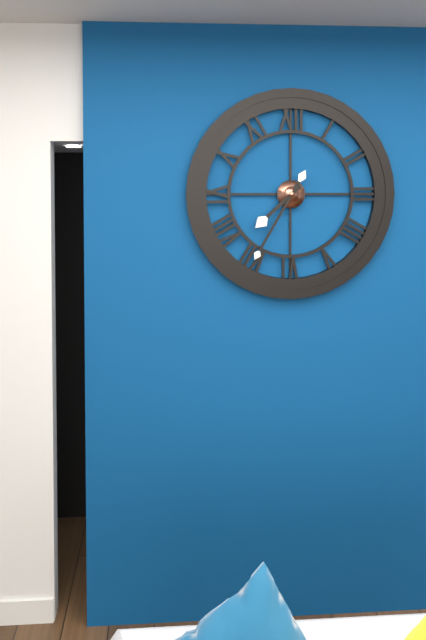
7:35
